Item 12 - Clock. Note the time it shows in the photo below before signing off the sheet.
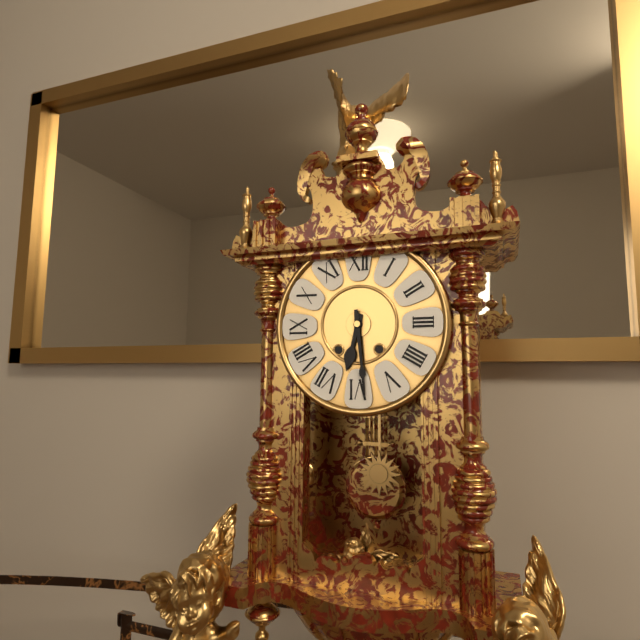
6:29
